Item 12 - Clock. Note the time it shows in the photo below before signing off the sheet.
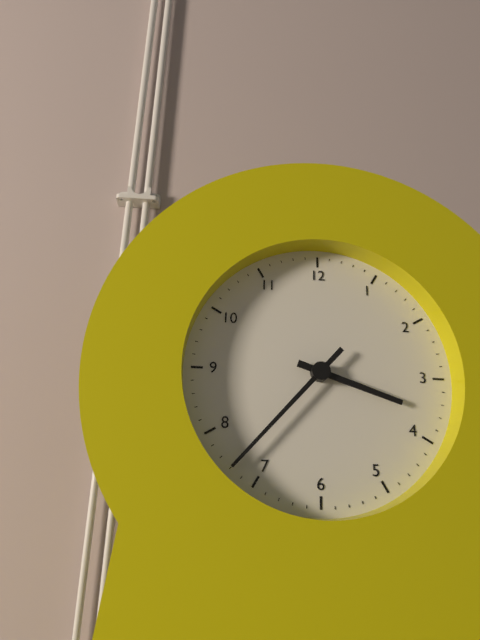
3:37
